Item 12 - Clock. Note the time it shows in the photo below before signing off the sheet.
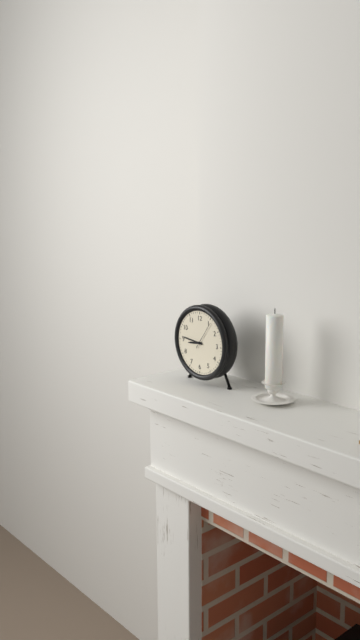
8:46
